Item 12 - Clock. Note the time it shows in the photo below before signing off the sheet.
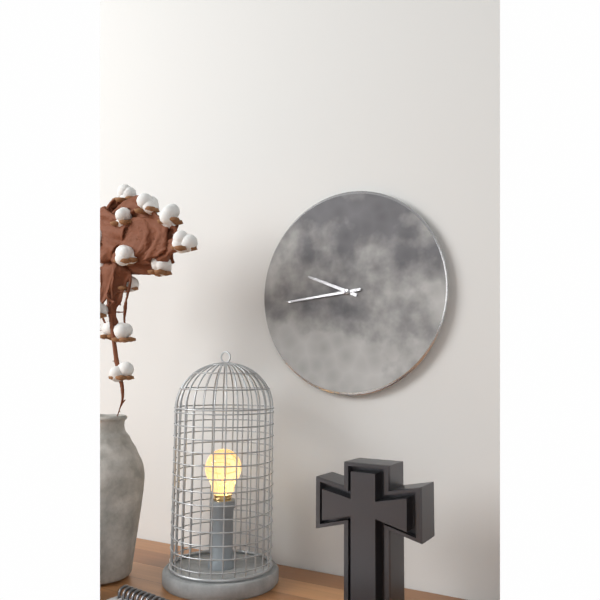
9:44
